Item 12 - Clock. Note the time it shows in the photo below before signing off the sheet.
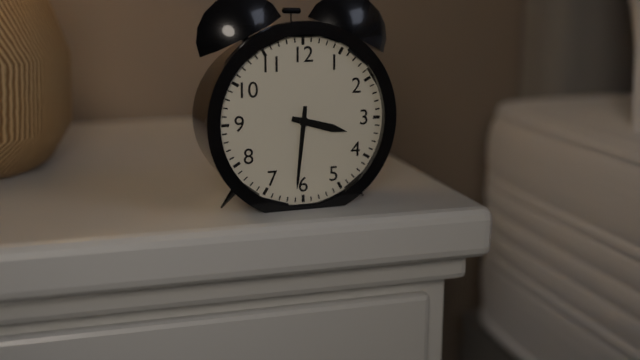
3:31
